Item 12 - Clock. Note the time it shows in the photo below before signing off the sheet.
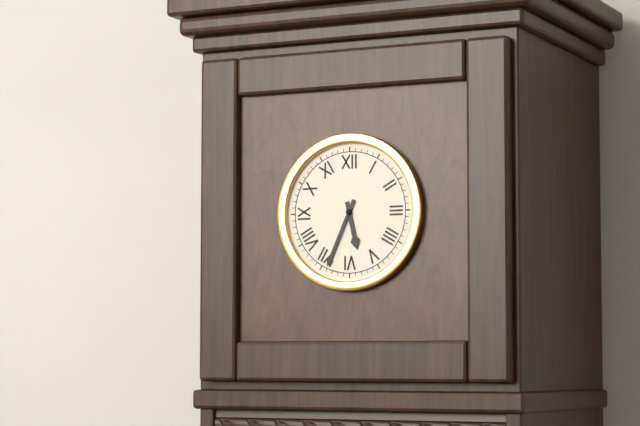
5:34
